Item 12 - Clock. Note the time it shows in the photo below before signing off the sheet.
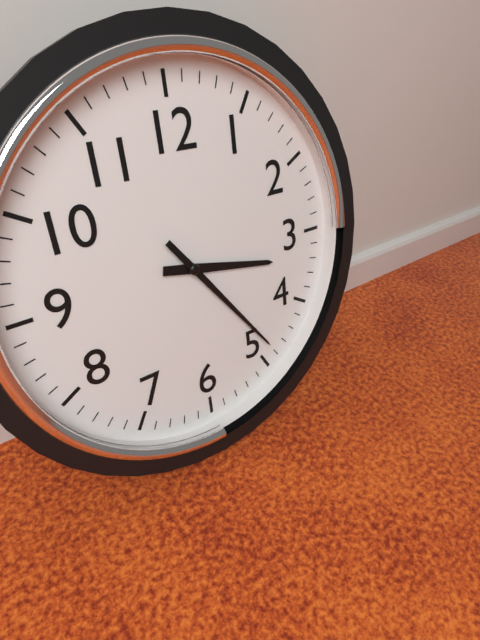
3:24
